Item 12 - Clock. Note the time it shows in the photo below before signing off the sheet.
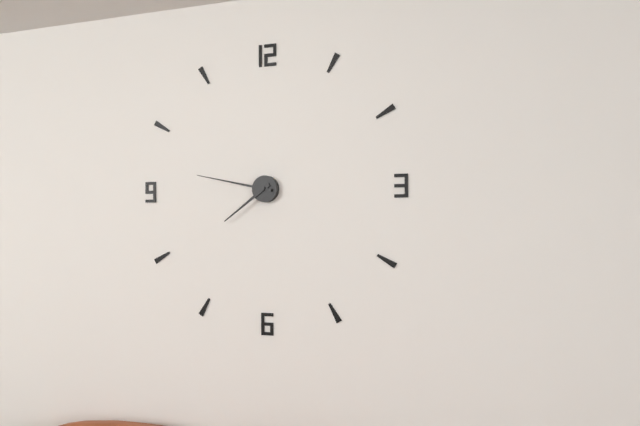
7:47
